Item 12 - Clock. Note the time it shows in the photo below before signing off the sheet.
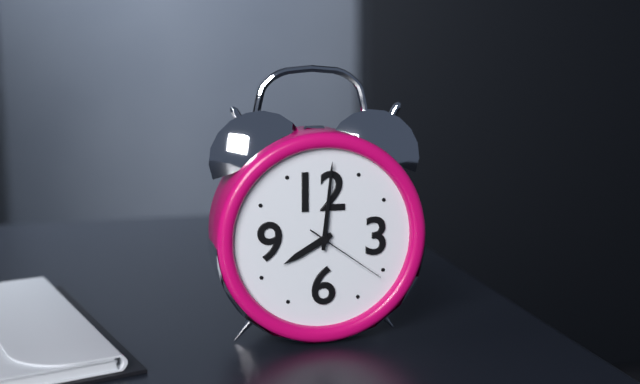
8:01:21
